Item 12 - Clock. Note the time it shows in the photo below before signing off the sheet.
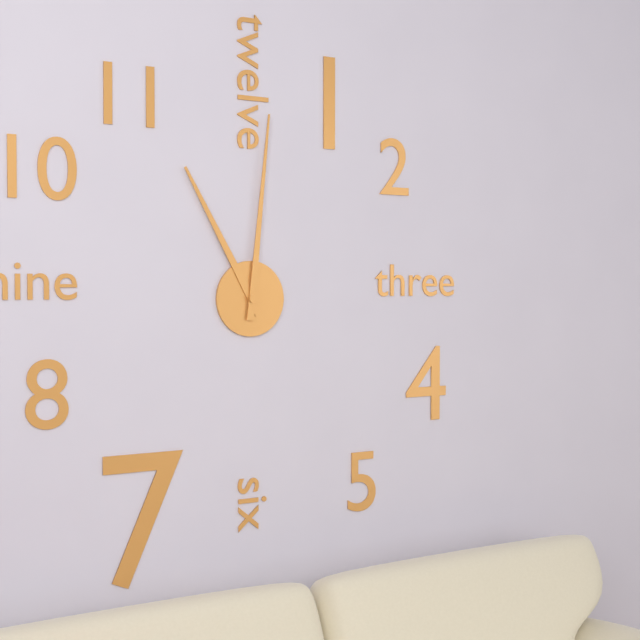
11:01
